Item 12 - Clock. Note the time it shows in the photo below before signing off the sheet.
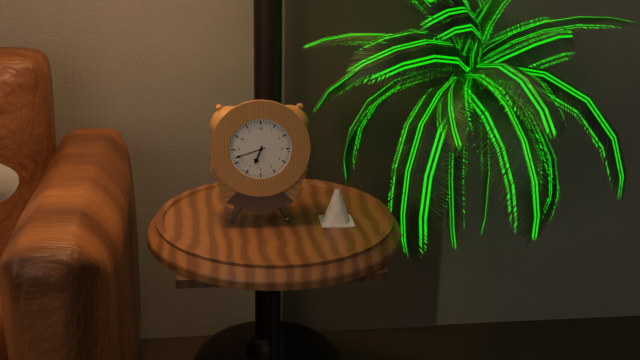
6:42
